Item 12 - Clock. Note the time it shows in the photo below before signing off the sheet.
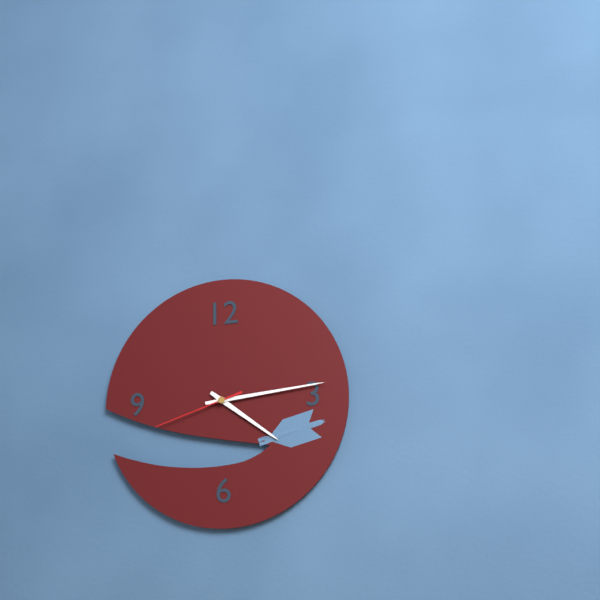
4:14:42
